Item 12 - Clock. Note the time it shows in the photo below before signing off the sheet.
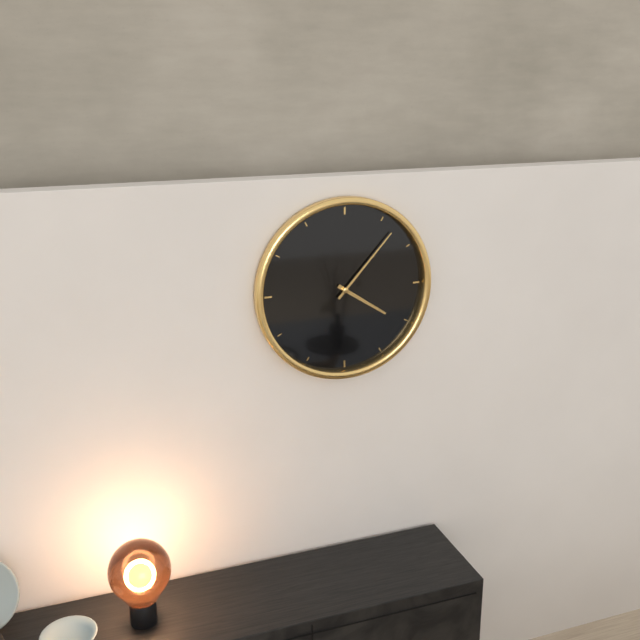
4:07
